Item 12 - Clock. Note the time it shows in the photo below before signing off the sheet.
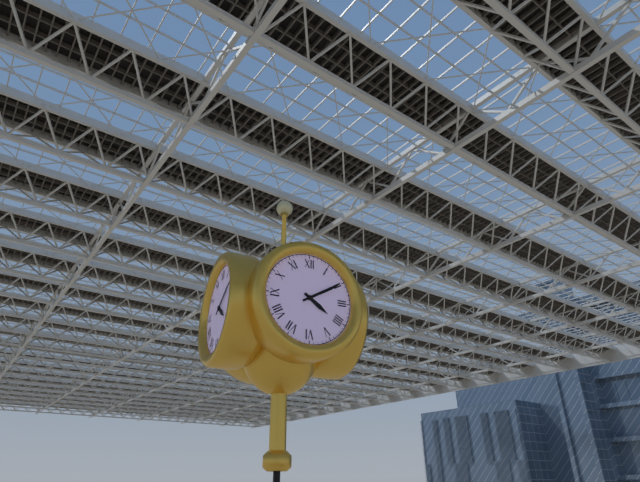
4:10
